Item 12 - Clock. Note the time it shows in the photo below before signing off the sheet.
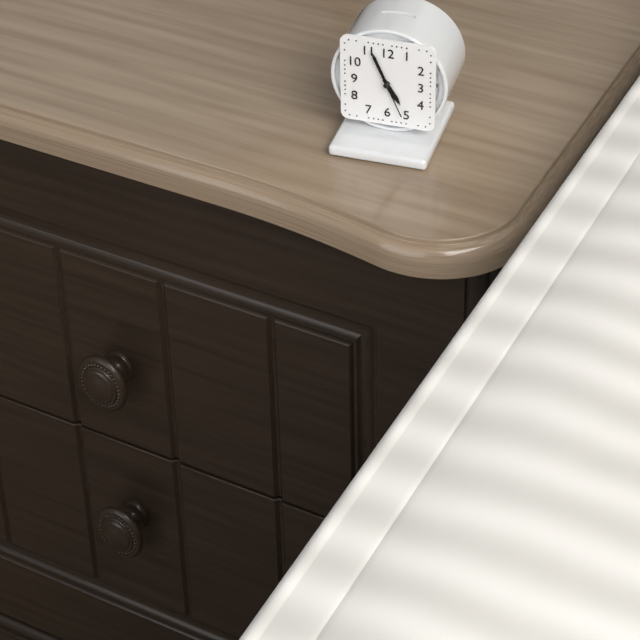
4:56
